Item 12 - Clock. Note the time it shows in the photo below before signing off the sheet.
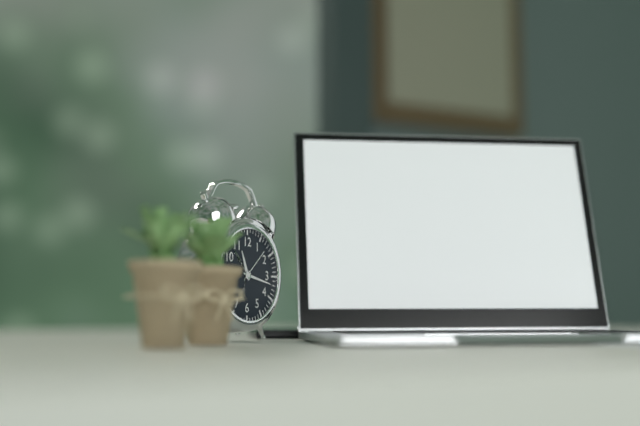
11:17
